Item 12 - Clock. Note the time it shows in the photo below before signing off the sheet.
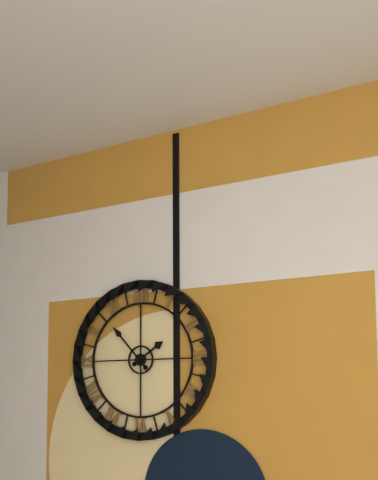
1:53
